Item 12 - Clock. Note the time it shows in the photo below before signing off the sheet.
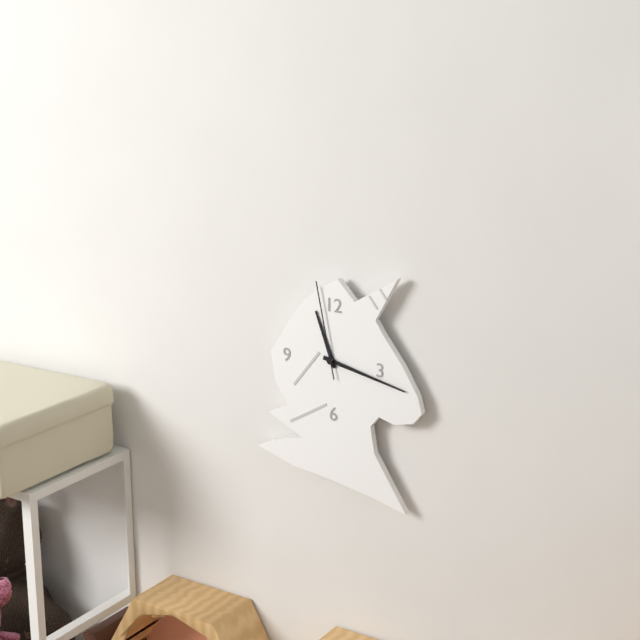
11:17:58
